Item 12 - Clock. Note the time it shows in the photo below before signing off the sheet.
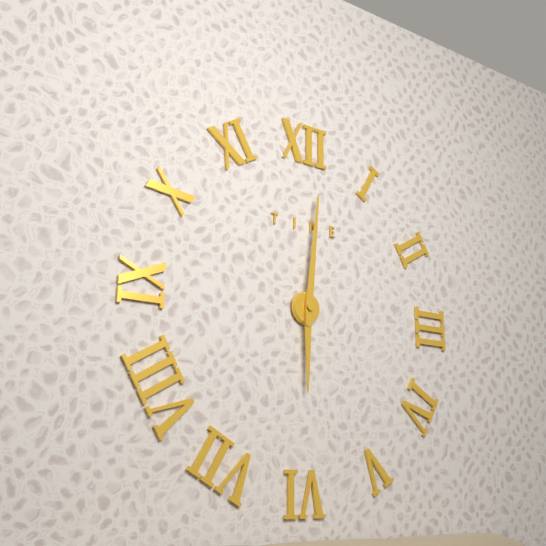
6:01
